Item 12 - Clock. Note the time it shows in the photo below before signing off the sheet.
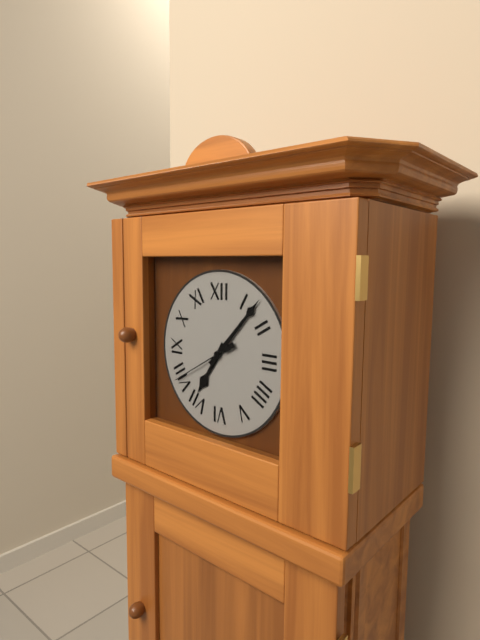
7:07:40
